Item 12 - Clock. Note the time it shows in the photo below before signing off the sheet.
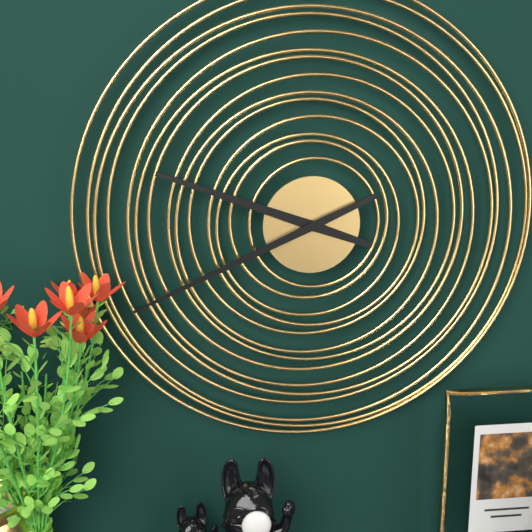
9:41
